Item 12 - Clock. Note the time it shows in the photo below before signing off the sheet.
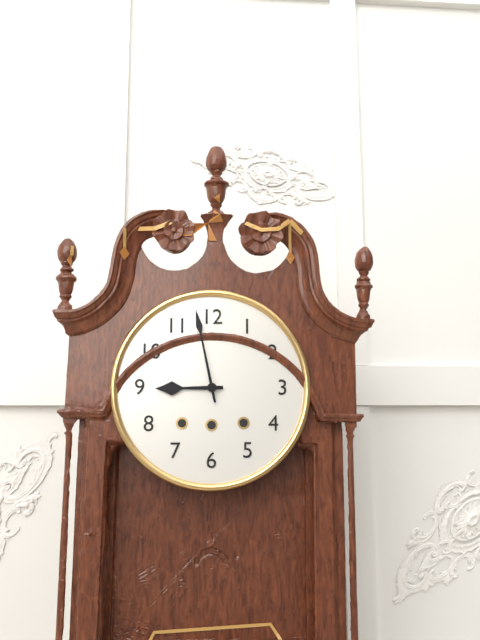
8:58
